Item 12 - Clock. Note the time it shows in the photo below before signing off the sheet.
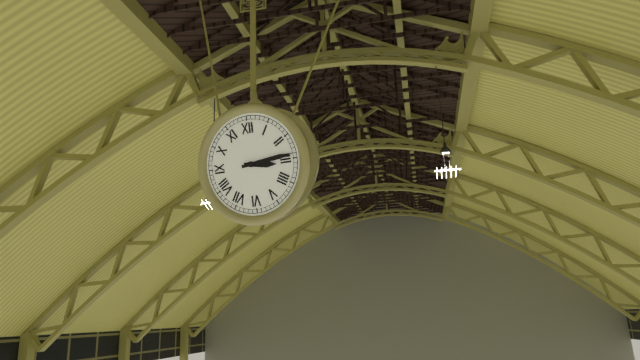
3:14
